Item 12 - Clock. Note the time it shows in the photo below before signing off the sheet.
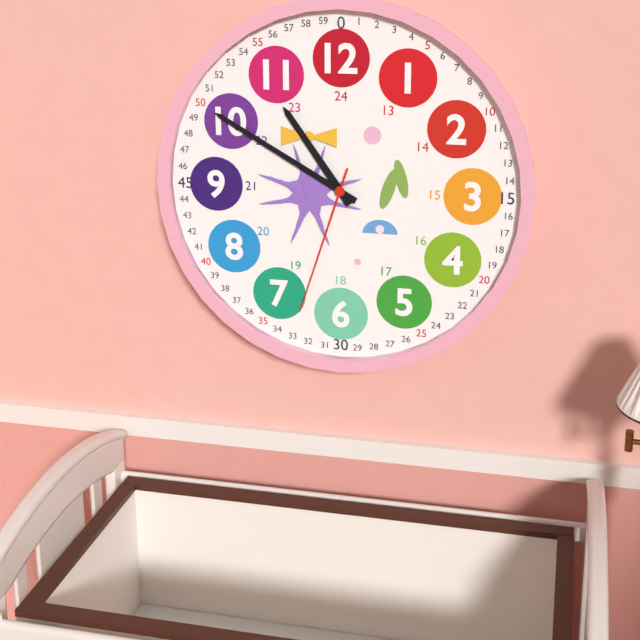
10:50:33
